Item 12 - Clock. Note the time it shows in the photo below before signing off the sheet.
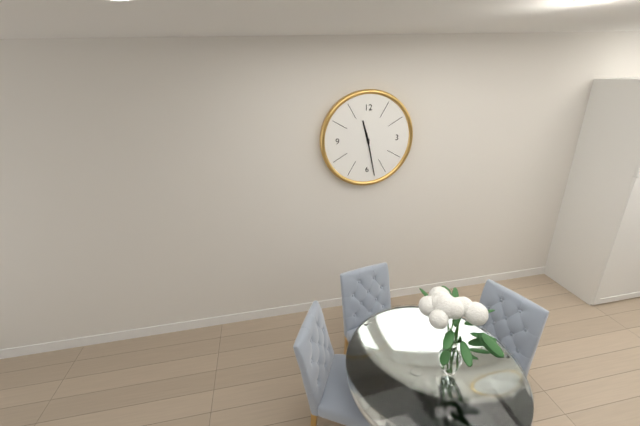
11:28
